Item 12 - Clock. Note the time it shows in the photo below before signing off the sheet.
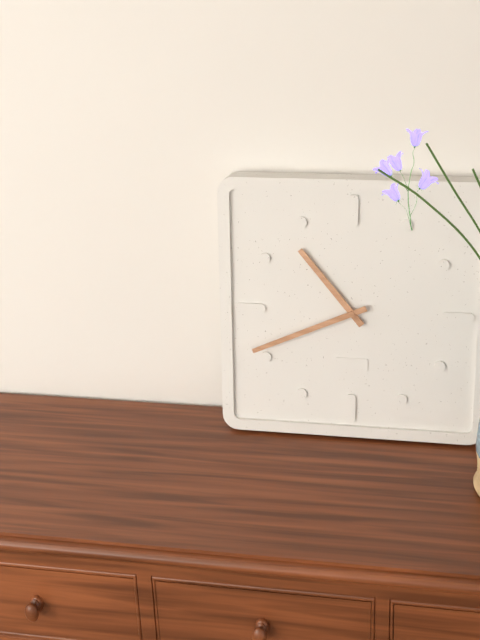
10:41
